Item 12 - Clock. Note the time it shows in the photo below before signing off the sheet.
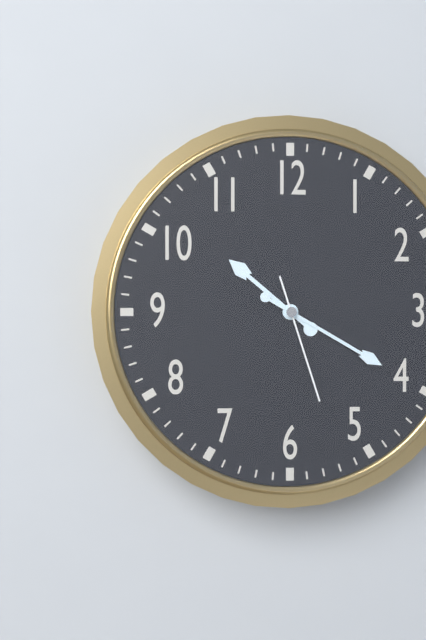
10:20:27
